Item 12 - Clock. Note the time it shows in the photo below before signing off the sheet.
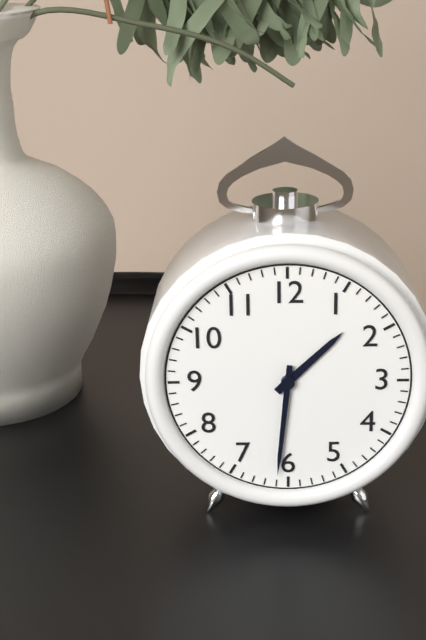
1:31
